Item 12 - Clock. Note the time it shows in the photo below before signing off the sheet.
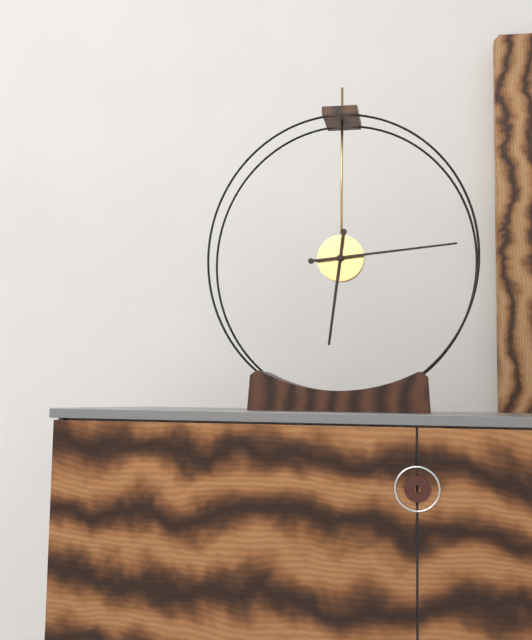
6:14
